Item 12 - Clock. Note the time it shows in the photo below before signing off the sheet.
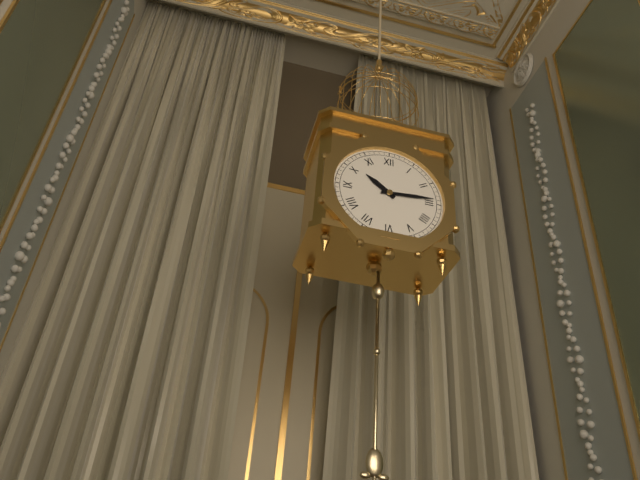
10:14
